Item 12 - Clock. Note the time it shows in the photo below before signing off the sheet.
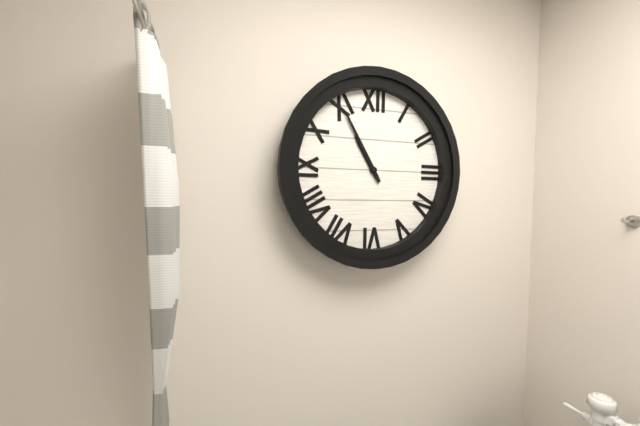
10:55
